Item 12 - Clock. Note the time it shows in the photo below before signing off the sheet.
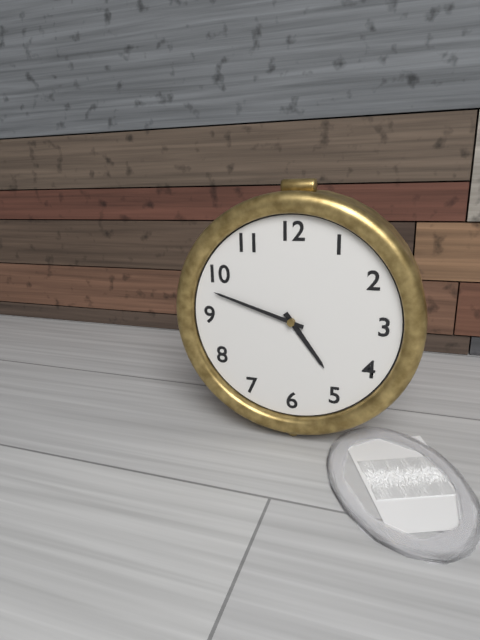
4:48
